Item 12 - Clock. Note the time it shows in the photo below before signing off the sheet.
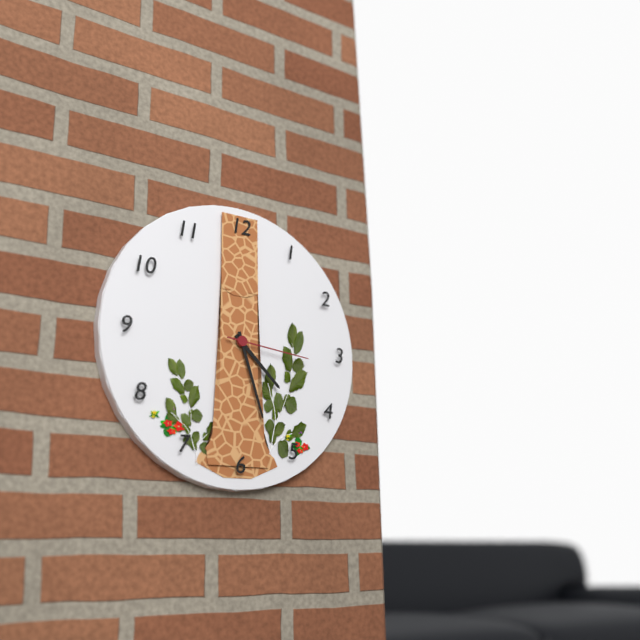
4:27:16
